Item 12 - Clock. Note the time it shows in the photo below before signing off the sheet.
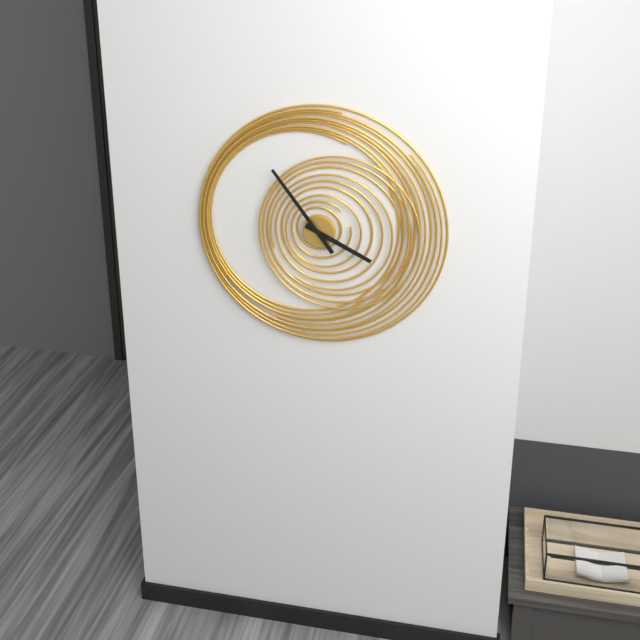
3:54
